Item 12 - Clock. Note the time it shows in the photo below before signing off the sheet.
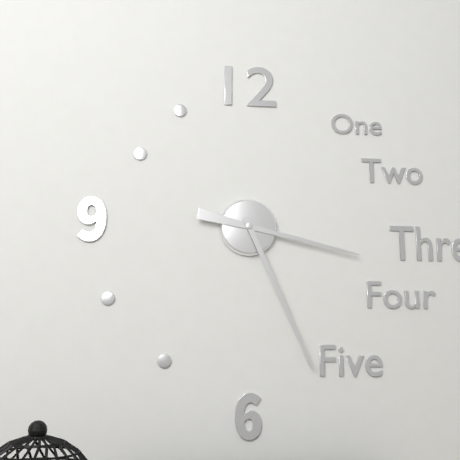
3:26
